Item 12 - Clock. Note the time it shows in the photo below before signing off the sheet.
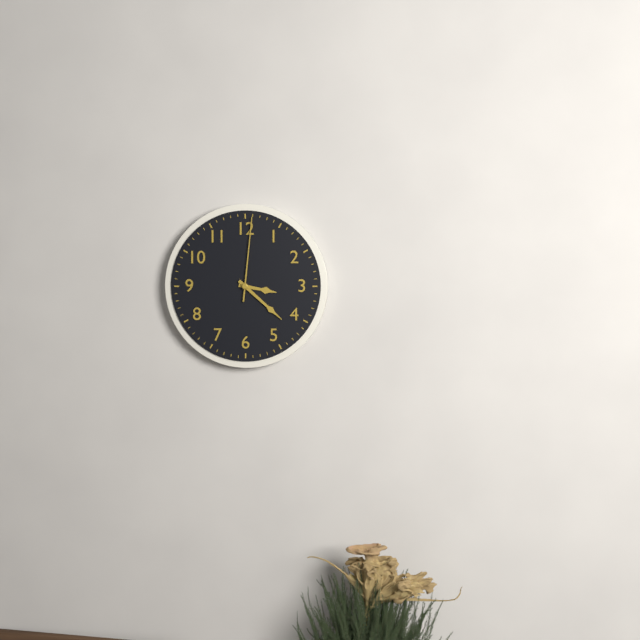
3:22:01
